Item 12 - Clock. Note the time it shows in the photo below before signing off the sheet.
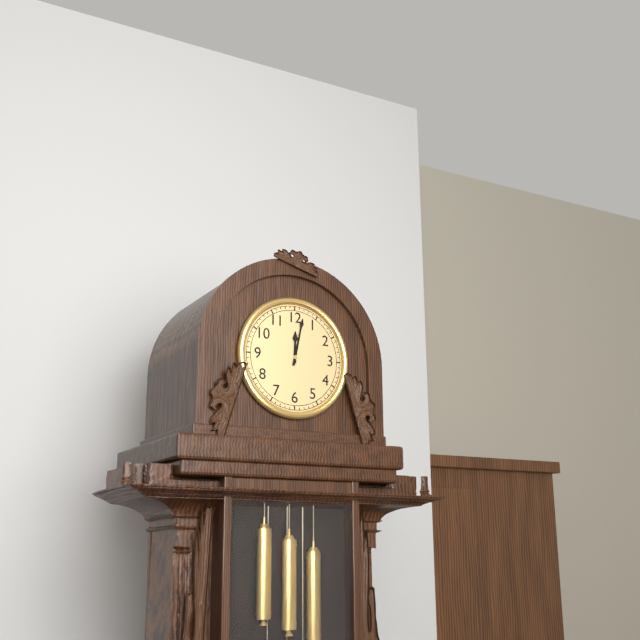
12:02
